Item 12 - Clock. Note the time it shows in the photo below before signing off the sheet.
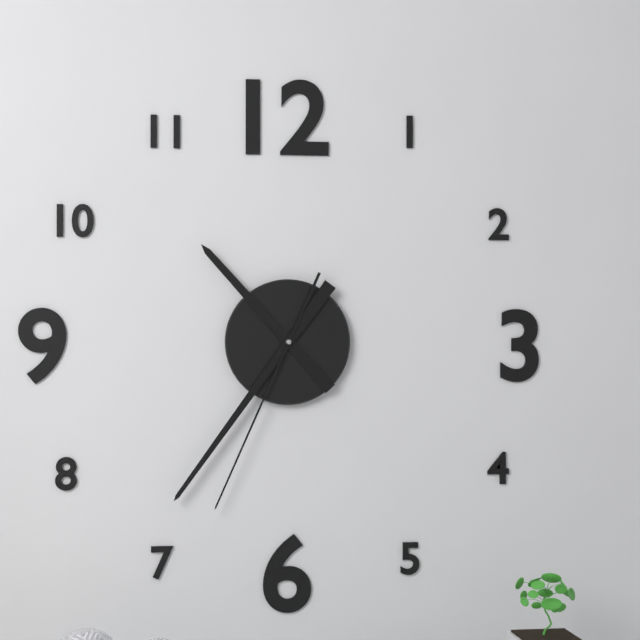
10:36:34
